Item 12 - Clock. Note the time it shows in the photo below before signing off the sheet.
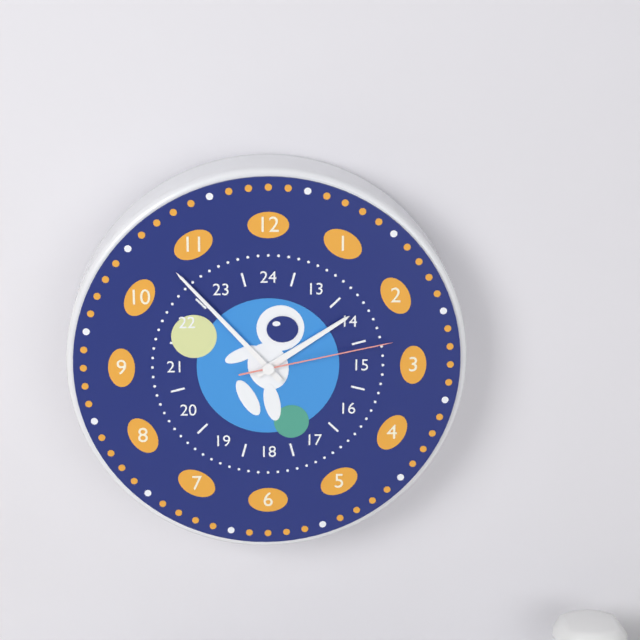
1:53:13
